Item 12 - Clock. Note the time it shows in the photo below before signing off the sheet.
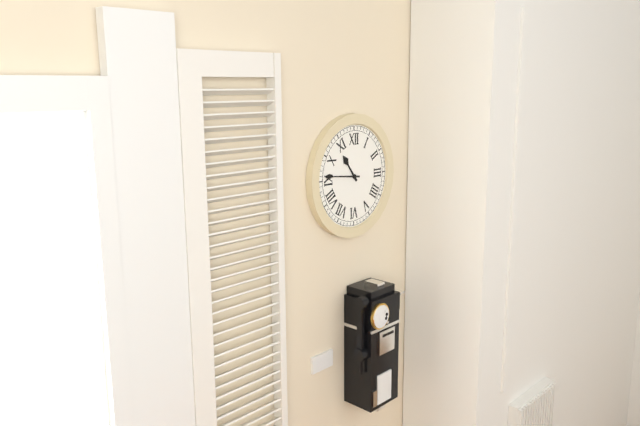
10:46
